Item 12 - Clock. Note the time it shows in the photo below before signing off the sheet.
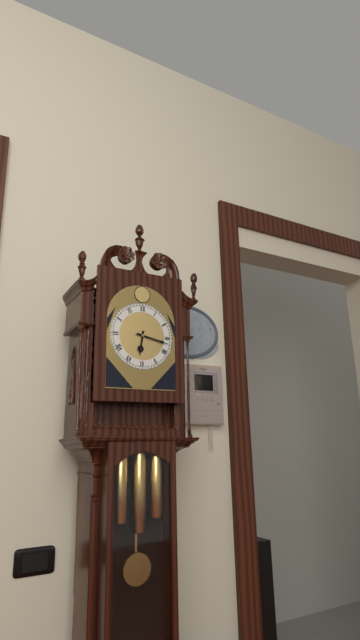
6:17
